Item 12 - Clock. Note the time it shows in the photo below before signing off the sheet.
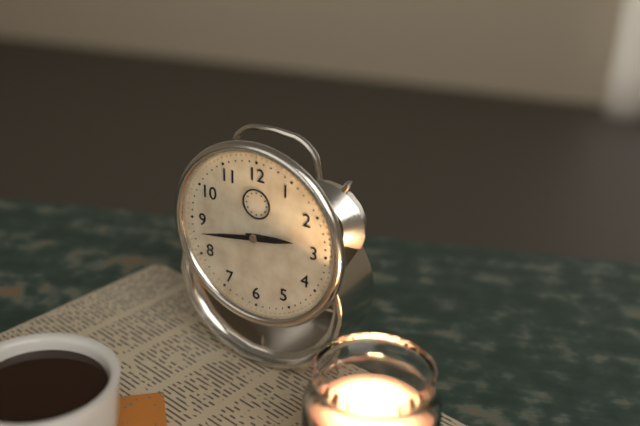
2:43
